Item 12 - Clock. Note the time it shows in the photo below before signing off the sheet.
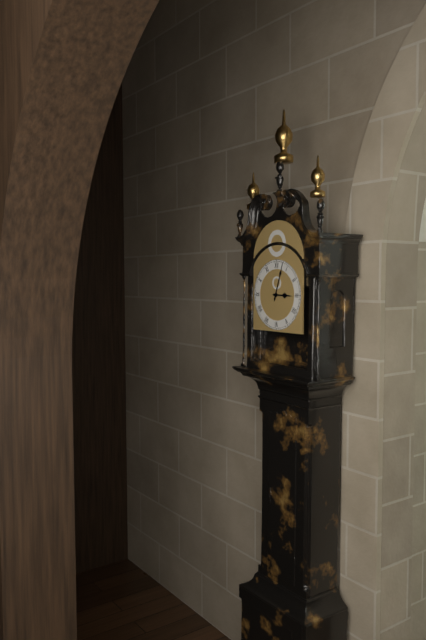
3:03
